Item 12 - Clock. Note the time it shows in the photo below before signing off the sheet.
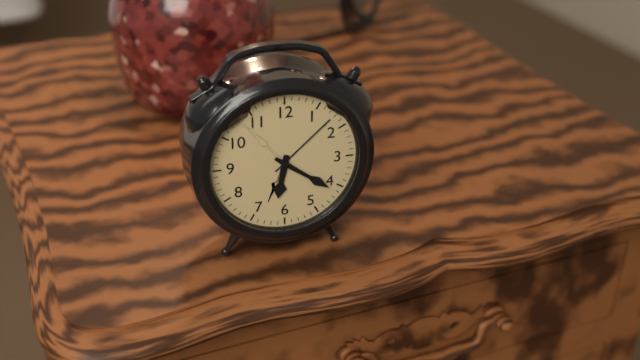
6:21
